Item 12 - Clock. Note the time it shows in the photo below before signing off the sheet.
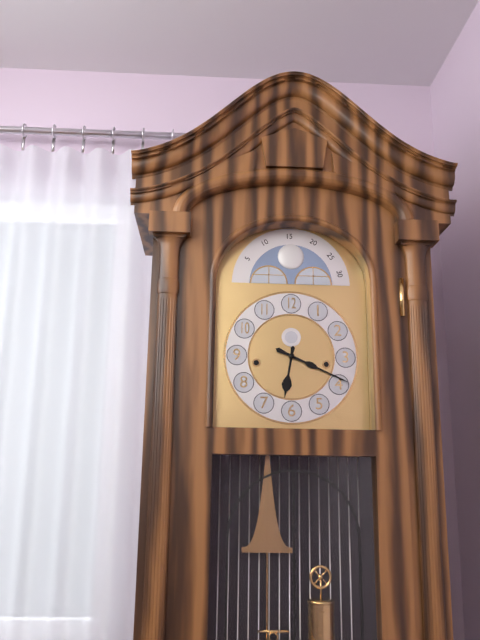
6:19
